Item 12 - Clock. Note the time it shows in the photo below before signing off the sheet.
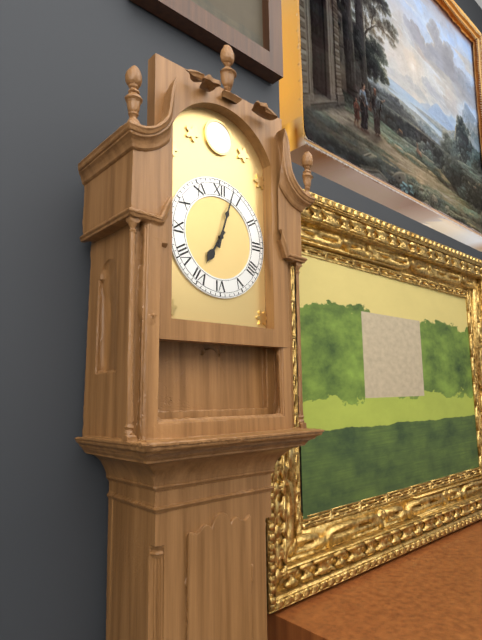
7:03
